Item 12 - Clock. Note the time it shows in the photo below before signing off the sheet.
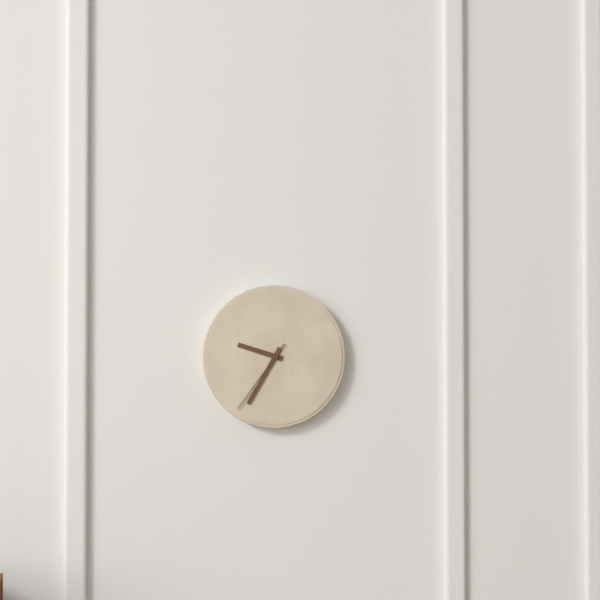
9:35:36
